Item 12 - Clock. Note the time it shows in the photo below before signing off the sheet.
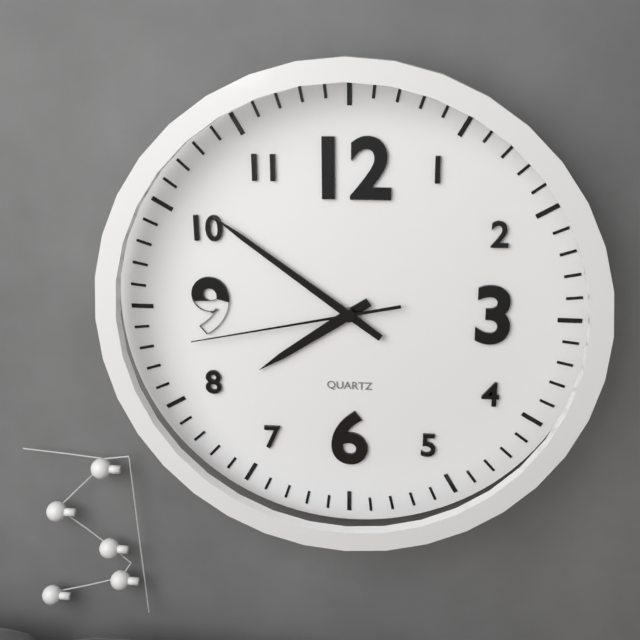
7:51:43
